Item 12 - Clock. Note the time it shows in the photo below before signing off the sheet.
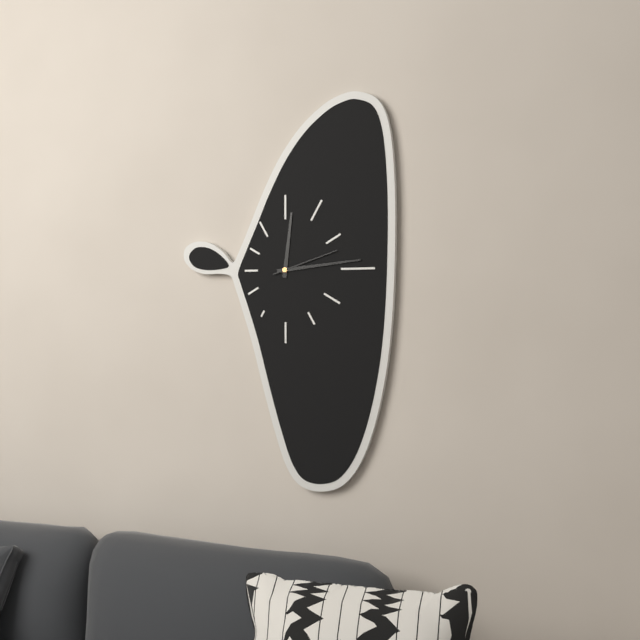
12:14:12
